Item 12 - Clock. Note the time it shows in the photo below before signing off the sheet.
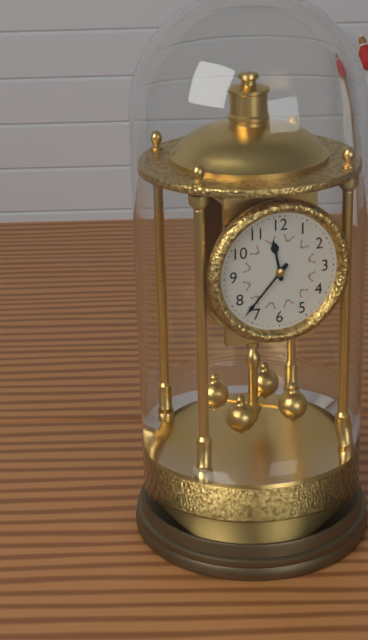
11:37
